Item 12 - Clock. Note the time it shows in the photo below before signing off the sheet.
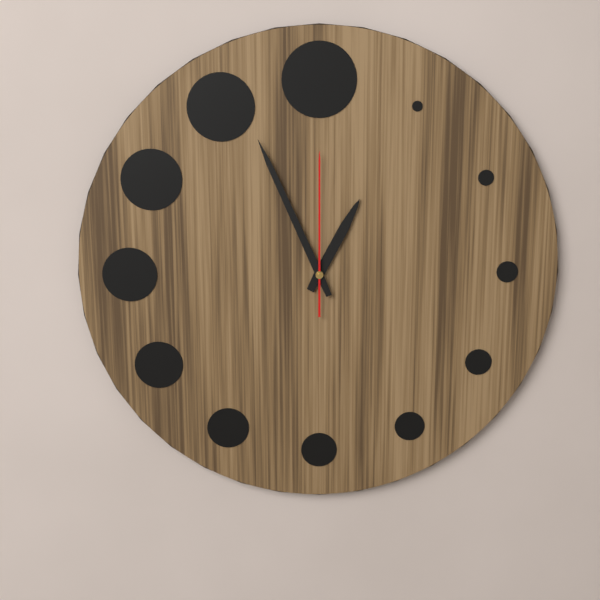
12:56:00
